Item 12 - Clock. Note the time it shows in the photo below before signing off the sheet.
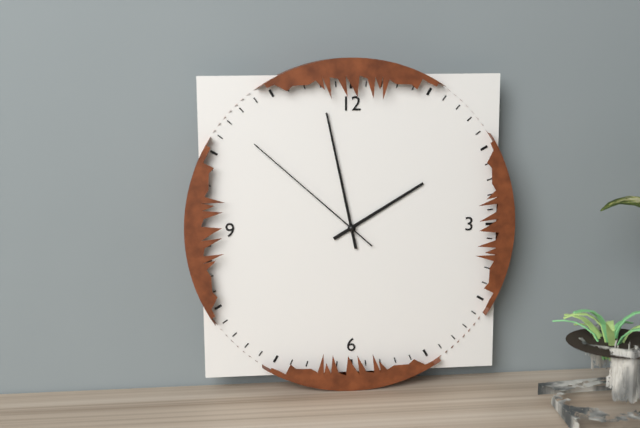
1:58:52
